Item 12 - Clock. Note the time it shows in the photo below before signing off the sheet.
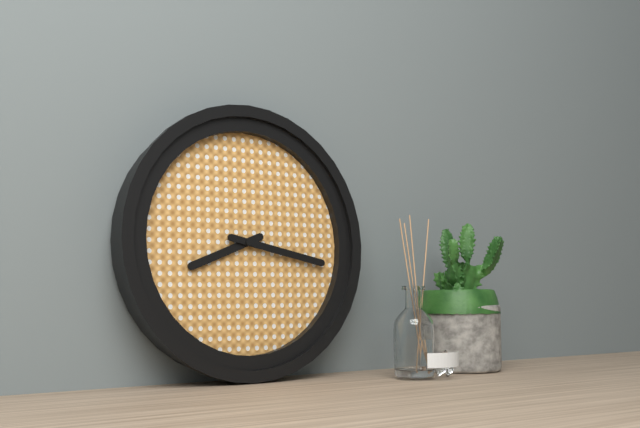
8:17
